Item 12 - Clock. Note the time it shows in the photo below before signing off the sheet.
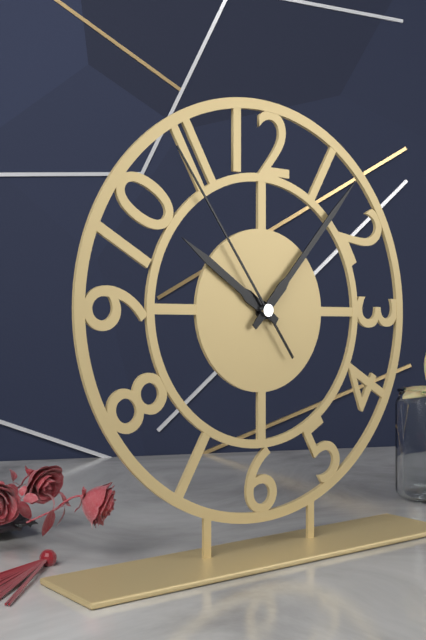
10:07:54
